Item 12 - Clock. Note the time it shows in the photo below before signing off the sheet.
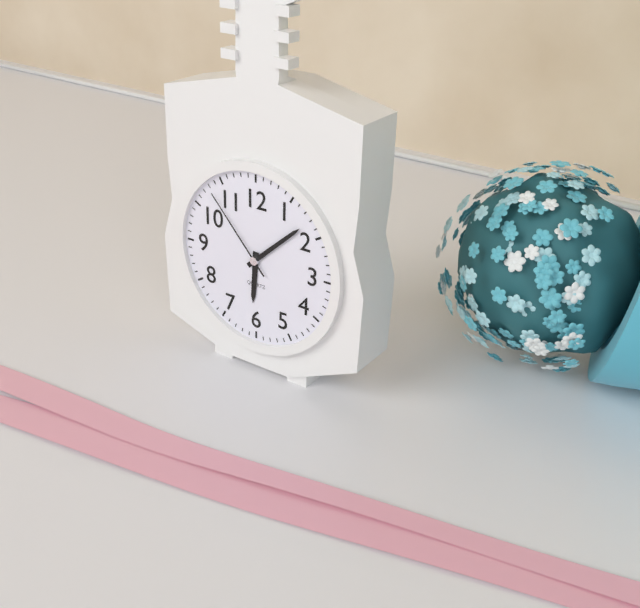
6:08:53
